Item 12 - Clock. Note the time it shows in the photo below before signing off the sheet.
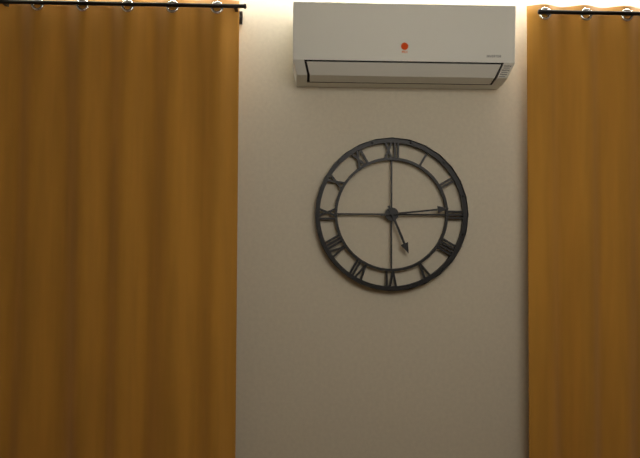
5:14
